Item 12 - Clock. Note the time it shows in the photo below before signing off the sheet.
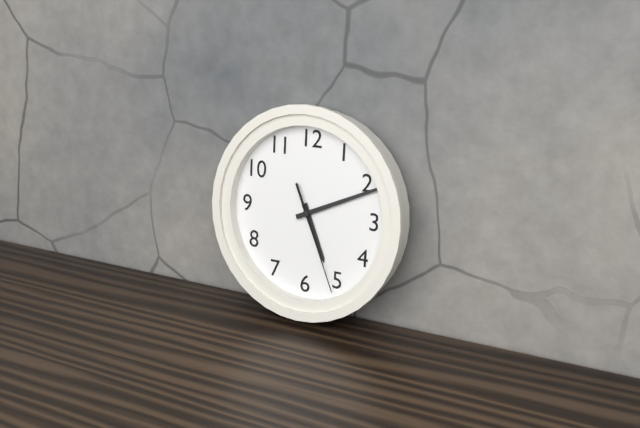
5:11:26
